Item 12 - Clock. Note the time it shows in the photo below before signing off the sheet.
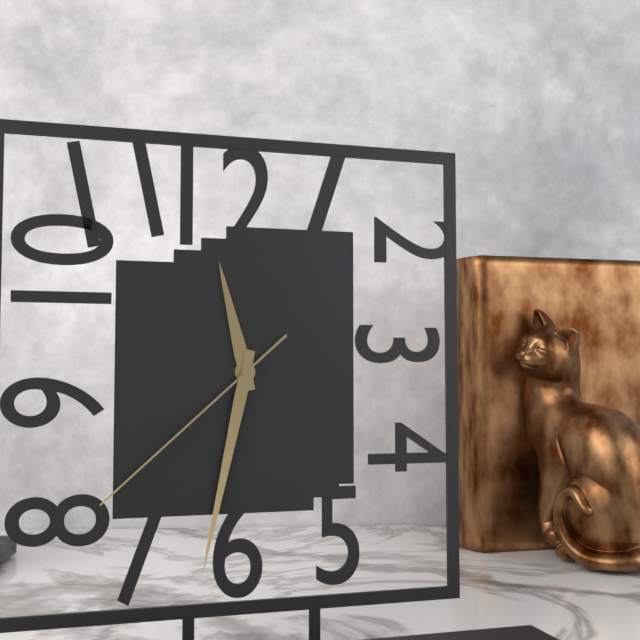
11:32:38
